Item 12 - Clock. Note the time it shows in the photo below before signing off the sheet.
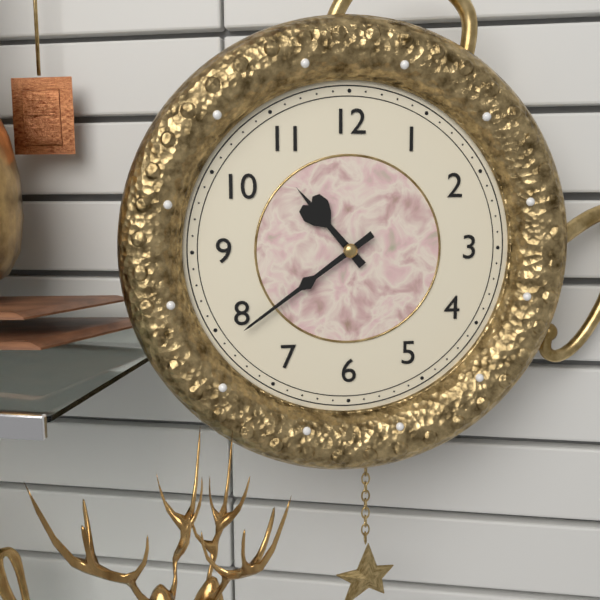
10:39
